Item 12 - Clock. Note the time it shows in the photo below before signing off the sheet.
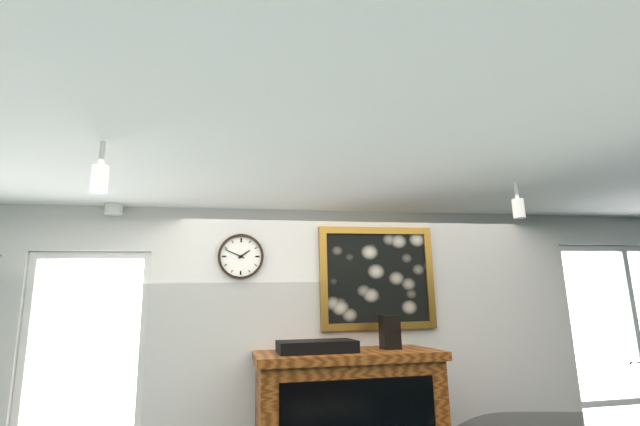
1:49
